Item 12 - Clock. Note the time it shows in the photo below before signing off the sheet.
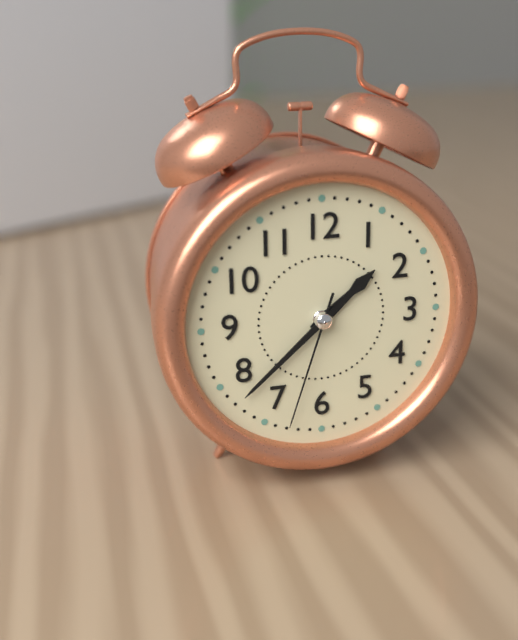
1:38:33
